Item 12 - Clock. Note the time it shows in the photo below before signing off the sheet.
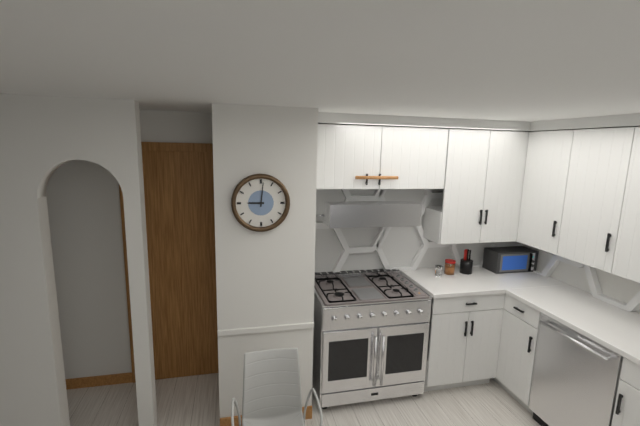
9:01
